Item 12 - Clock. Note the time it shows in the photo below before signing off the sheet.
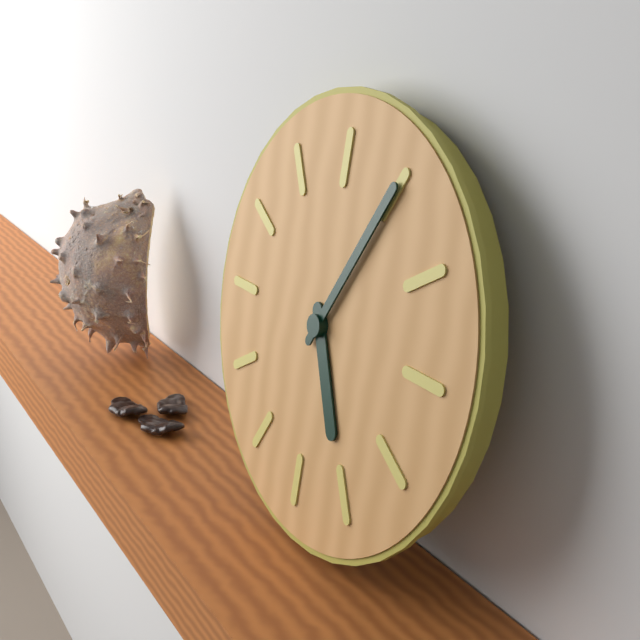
5:05
